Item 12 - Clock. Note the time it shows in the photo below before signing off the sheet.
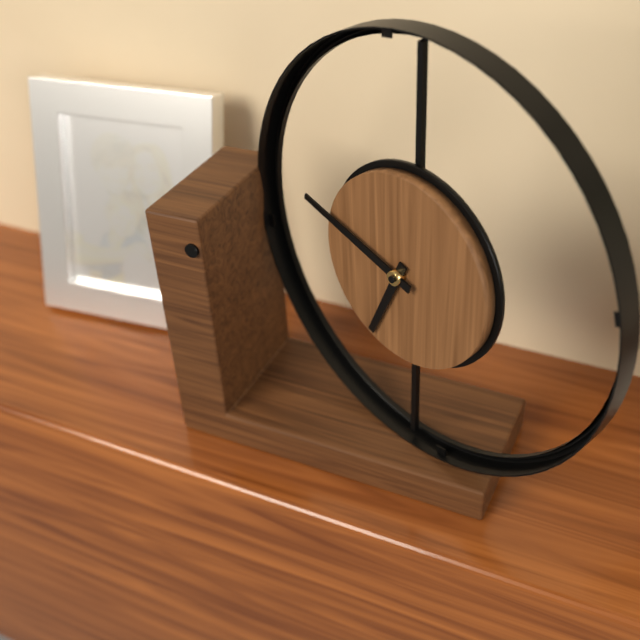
6:48
